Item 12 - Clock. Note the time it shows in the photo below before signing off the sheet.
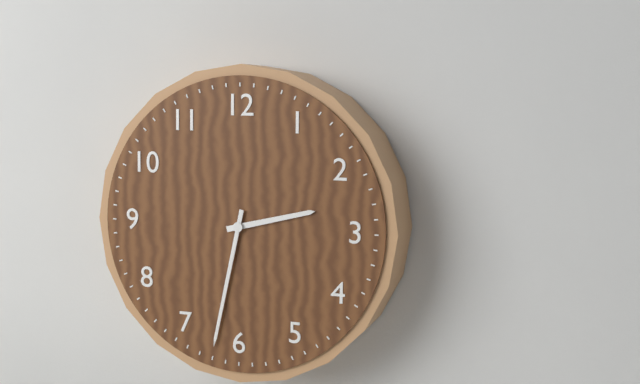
2:32
